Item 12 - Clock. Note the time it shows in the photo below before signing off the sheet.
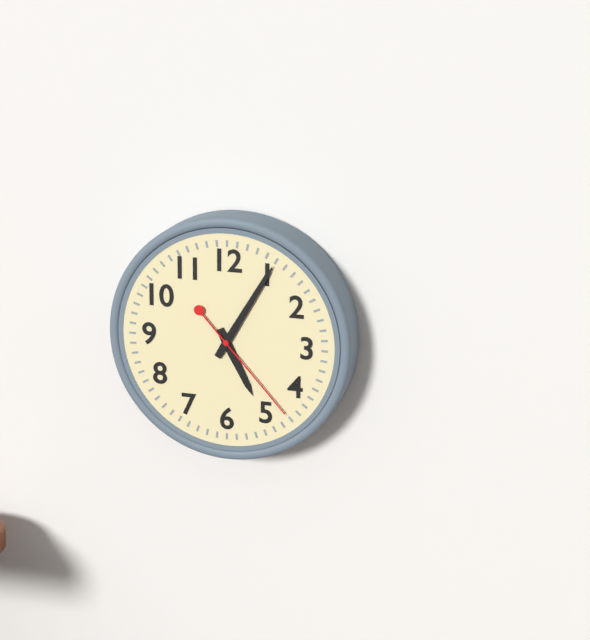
5:05:23
